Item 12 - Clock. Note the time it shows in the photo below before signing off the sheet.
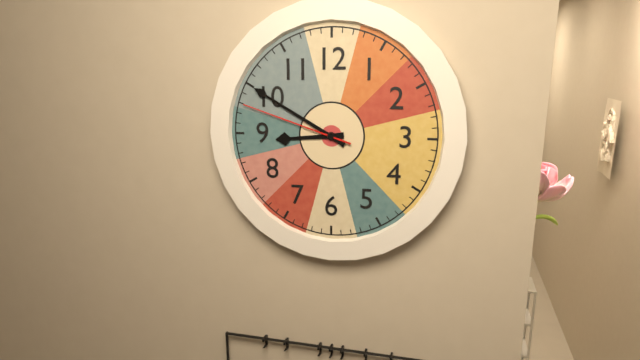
8:50:48
